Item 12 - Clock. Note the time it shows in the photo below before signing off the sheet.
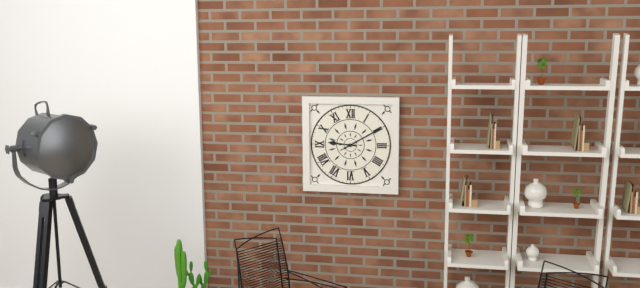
9:10
